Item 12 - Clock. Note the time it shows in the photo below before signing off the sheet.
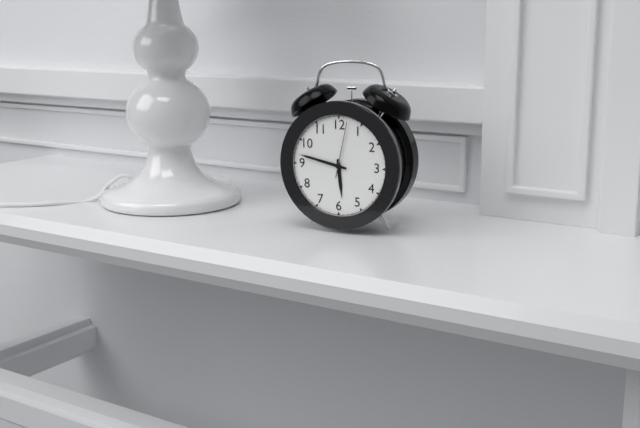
5:47:02
